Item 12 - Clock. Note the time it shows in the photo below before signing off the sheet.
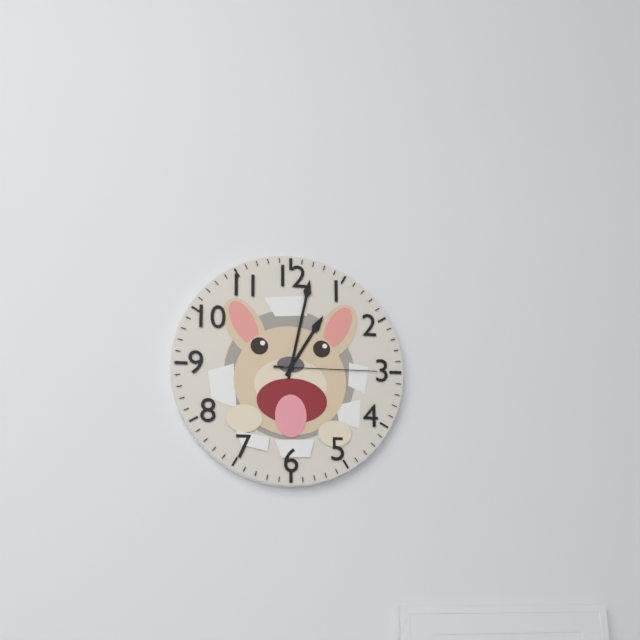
1:02:15
